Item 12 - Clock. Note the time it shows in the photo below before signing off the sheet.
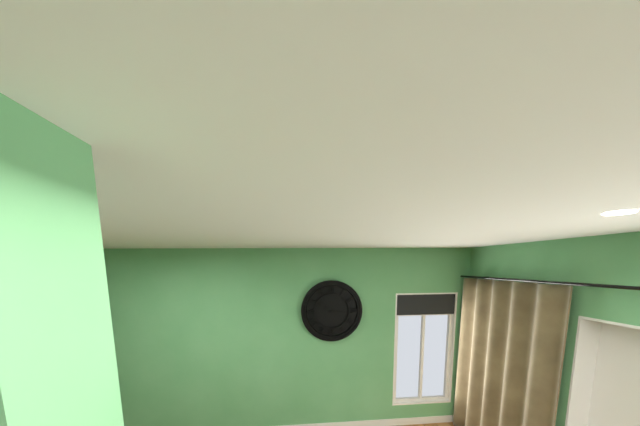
10:16
